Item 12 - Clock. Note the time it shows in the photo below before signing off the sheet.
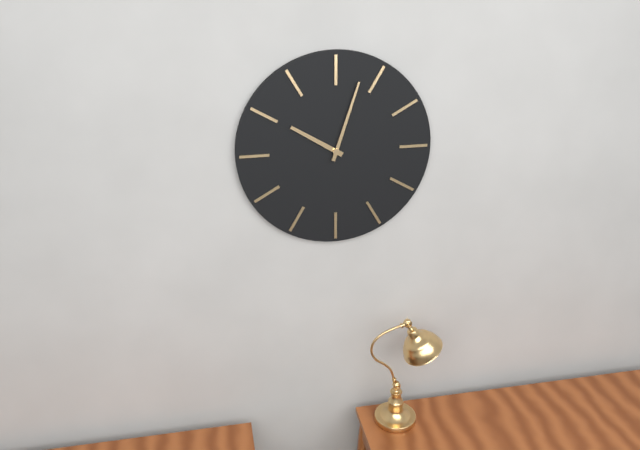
10:03
